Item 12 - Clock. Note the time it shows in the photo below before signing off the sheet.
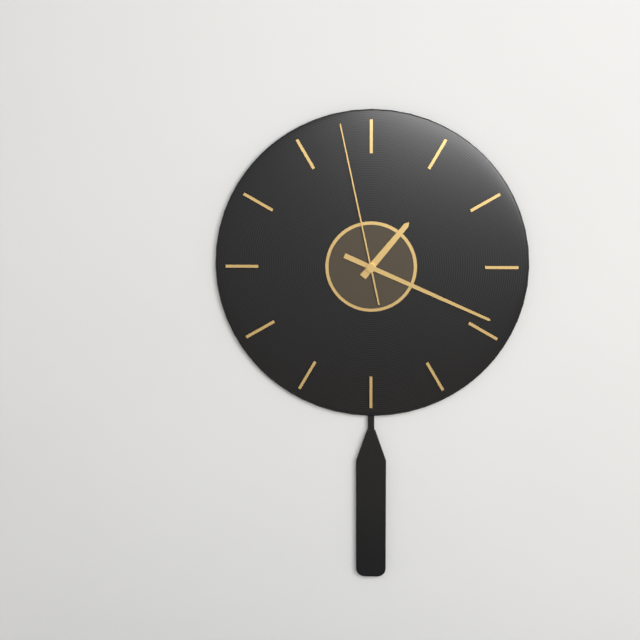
1:19:58
